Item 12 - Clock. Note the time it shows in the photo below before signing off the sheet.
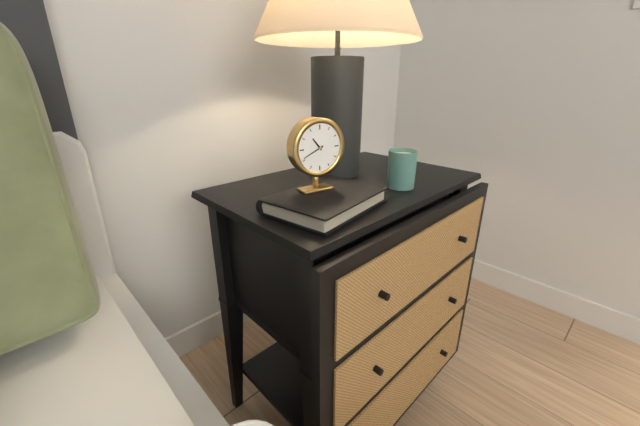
10:41
